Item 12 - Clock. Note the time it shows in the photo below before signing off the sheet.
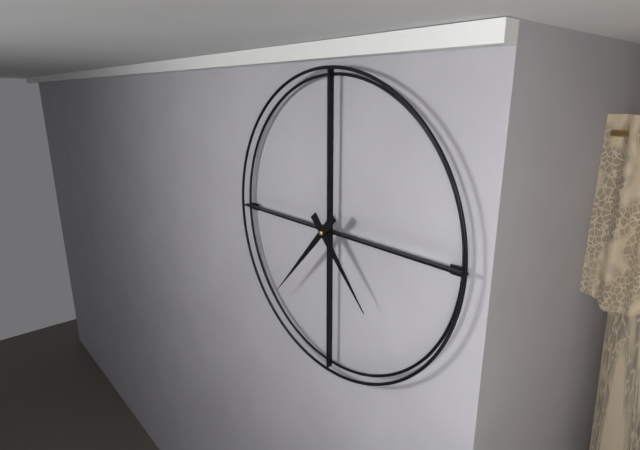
4:37
